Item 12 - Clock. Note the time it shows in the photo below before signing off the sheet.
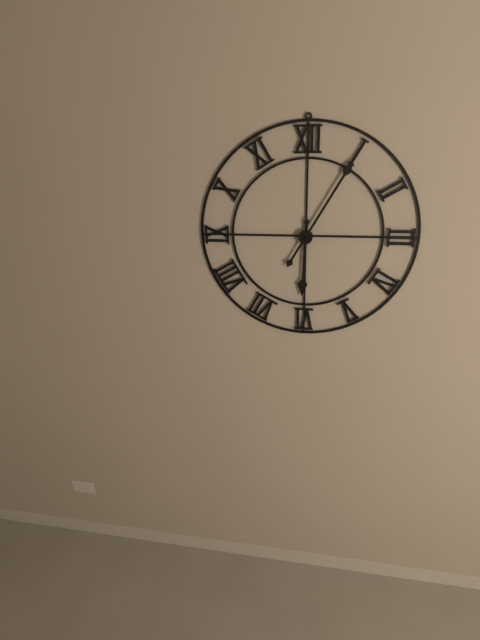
6:05
